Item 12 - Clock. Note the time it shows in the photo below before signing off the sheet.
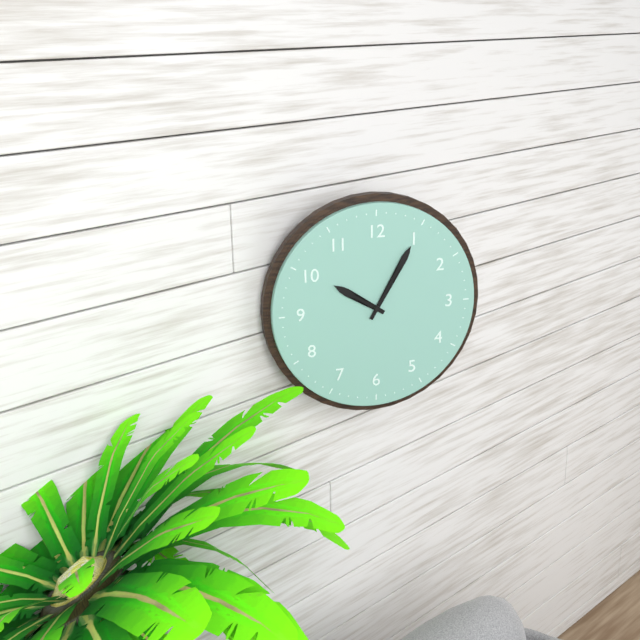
10:05
